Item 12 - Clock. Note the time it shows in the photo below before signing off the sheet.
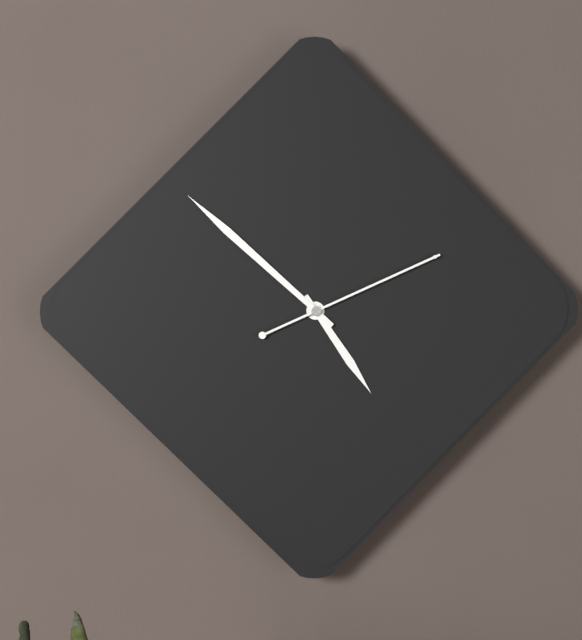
4:52:11
